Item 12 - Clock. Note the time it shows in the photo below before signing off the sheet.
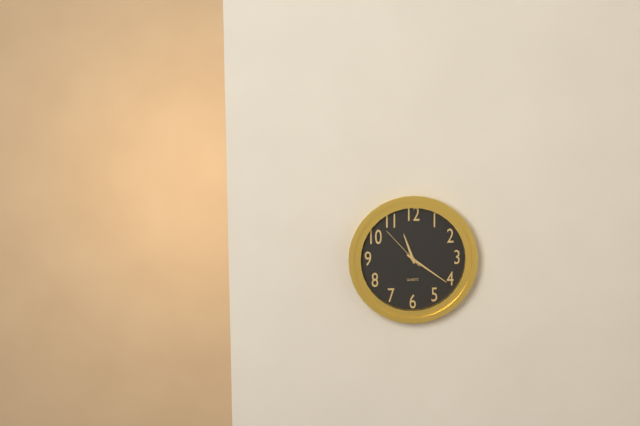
11:21
